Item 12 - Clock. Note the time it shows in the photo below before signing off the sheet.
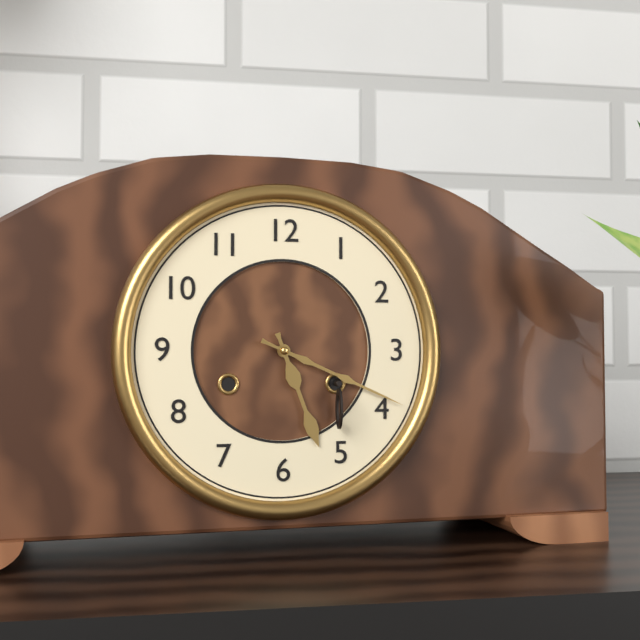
5:19
